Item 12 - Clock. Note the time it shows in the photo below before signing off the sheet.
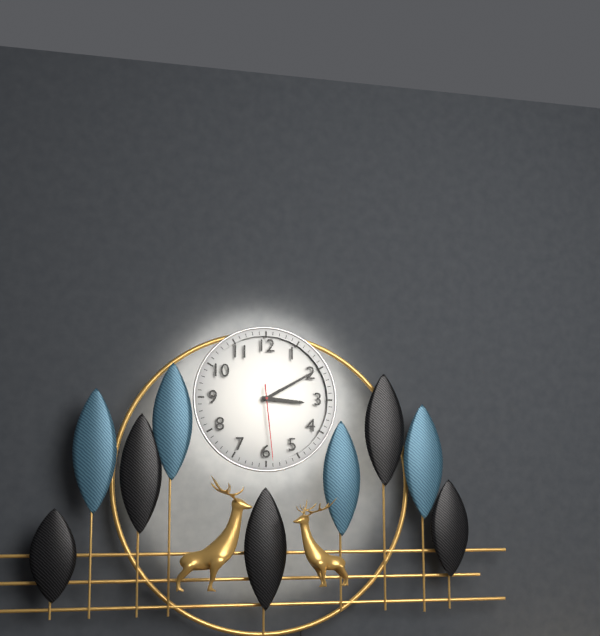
3:10:29
